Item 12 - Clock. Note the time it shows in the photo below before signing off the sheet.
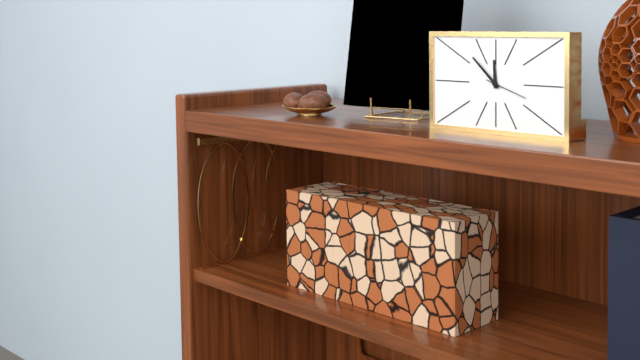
11:52
